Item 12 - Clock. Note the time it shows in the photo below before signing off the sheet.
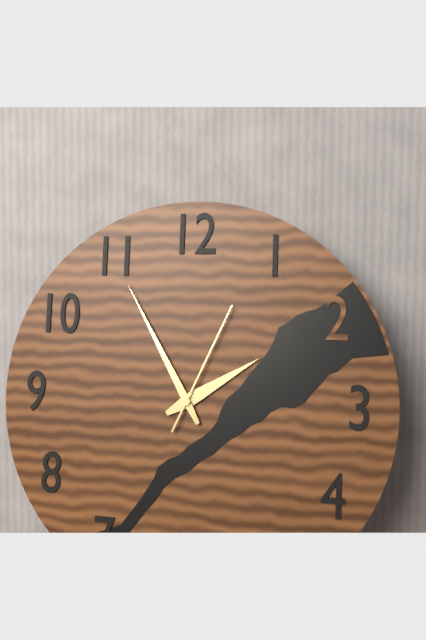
1:55:04
